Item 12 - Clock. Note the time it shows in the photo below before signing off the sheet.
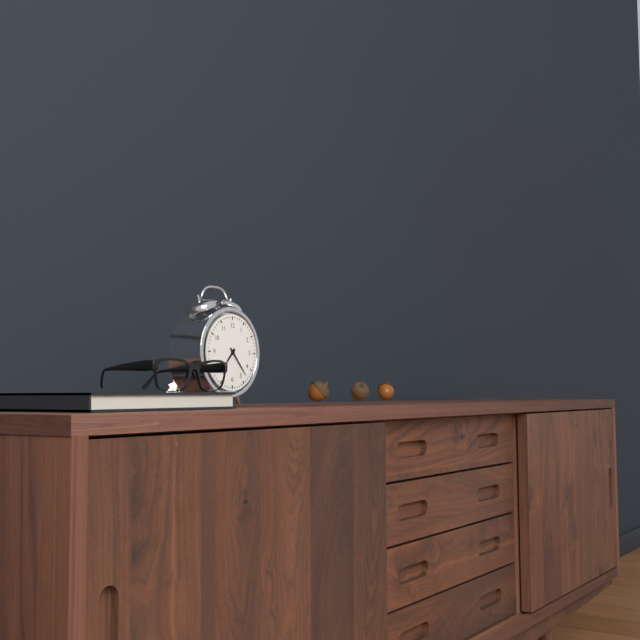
7:23
